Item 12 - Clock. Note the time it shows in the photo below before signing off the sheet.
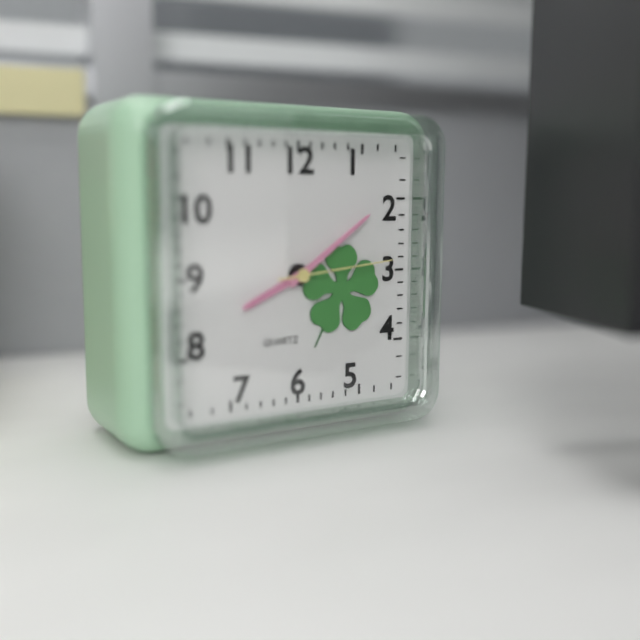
8:09:14
